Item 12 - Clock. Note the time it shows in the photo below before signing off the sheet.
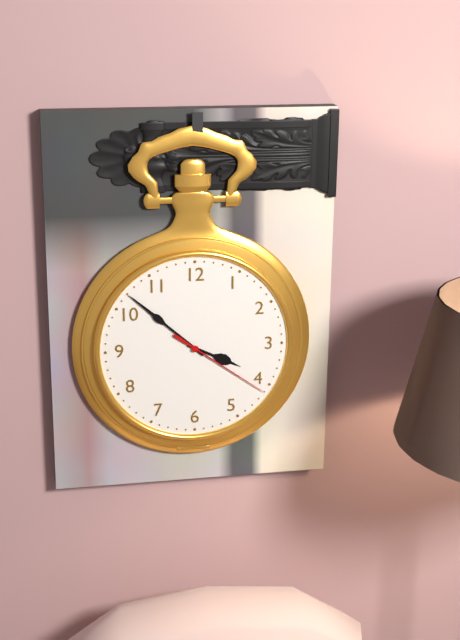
3:52:21
